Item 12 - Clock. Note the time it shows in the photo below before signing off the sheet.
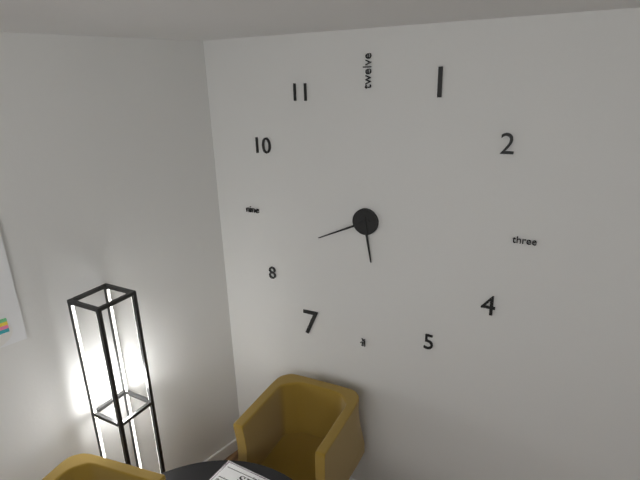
5:41
